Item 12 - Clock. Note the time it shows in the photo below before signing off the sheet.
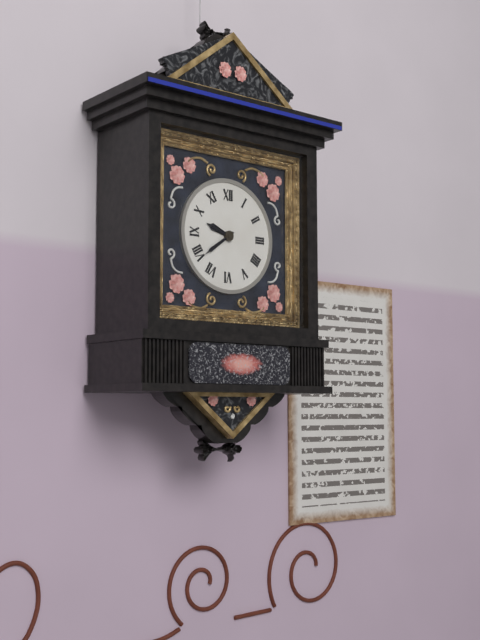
9:39
